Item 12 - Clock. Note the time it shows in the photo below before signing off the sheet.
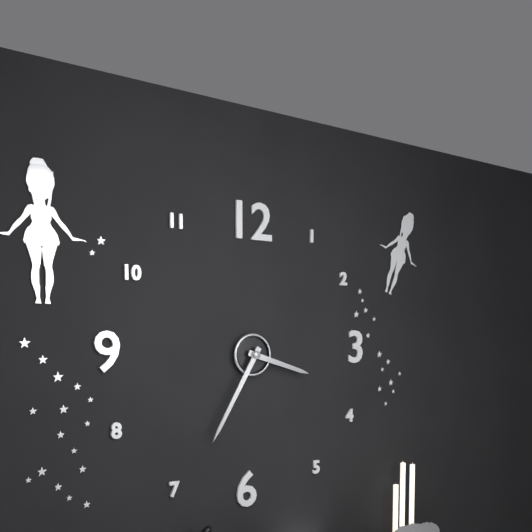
3:35
